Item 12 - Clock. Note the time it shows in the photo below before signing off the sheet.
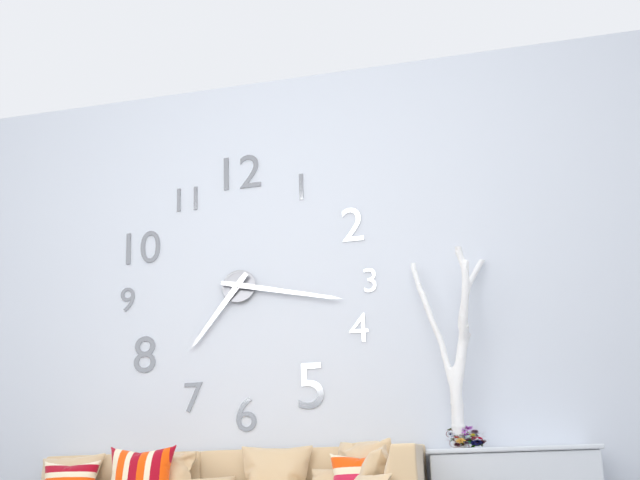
7:17
